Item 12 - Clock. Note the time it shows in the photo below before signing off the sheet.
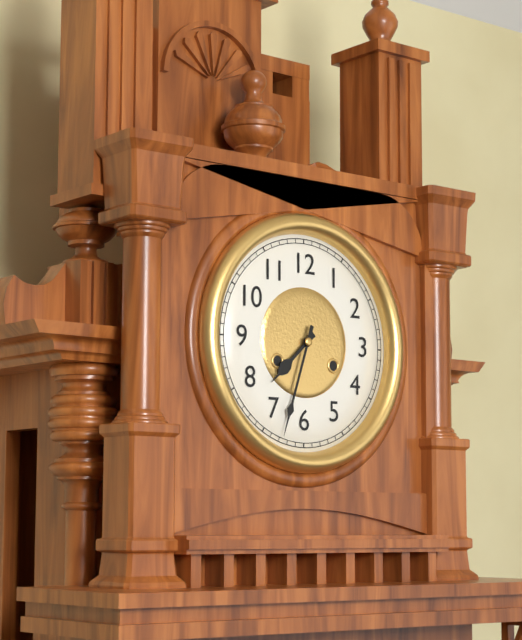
7:33
